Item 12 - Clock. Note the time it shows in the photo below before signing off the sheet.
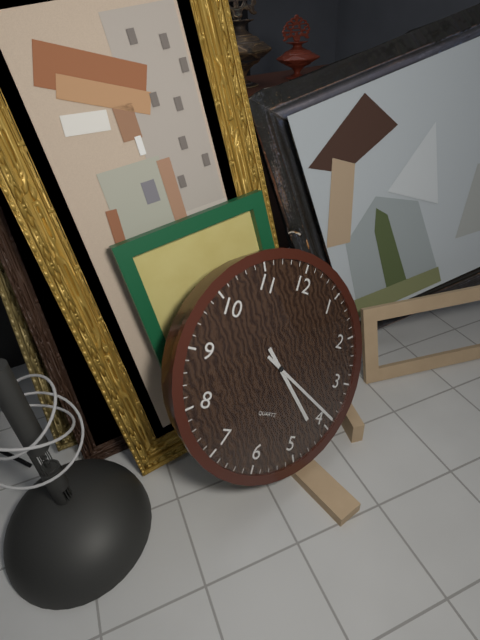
4:19
